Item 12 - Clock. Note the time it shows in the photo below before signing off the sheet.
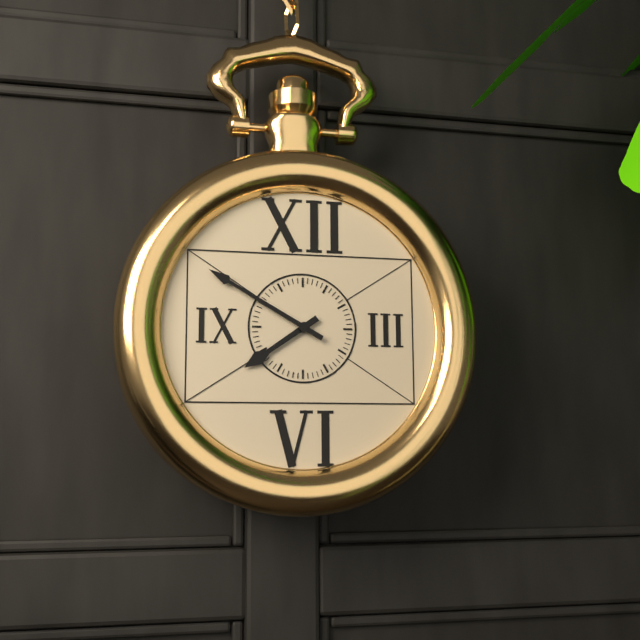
7:50
